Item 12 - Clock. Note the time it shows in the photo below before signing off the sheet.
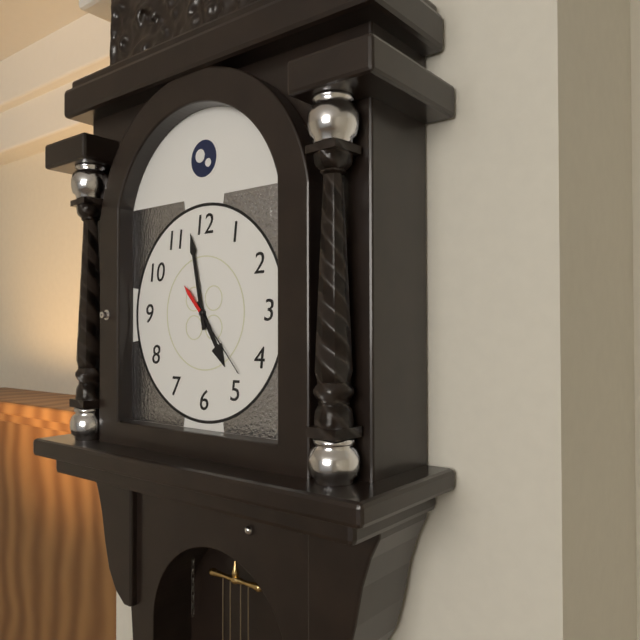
4:58:23
